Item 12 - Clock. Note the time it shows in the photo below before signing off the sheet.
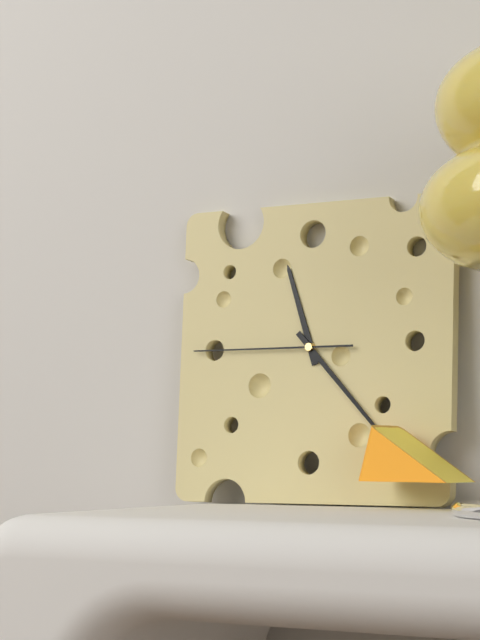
11:23:45
